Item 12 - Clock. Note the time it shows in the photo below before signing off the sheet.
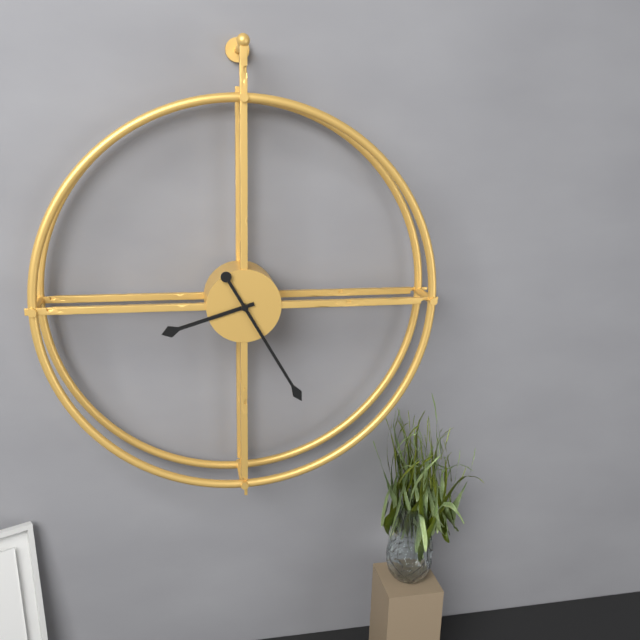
8:25
